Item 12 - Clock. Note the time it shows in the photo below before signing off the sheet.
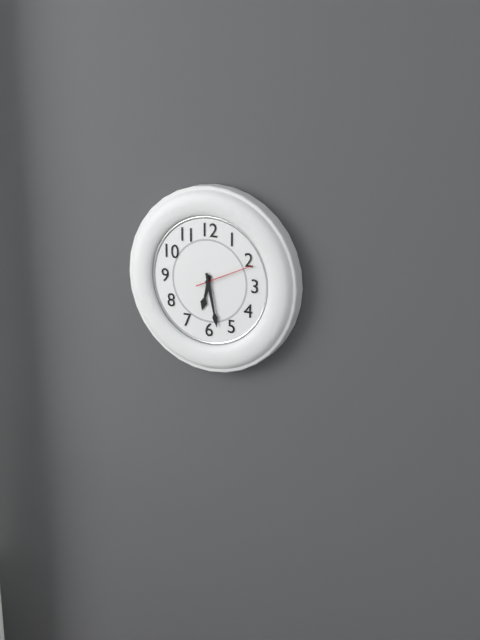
6:28:11
